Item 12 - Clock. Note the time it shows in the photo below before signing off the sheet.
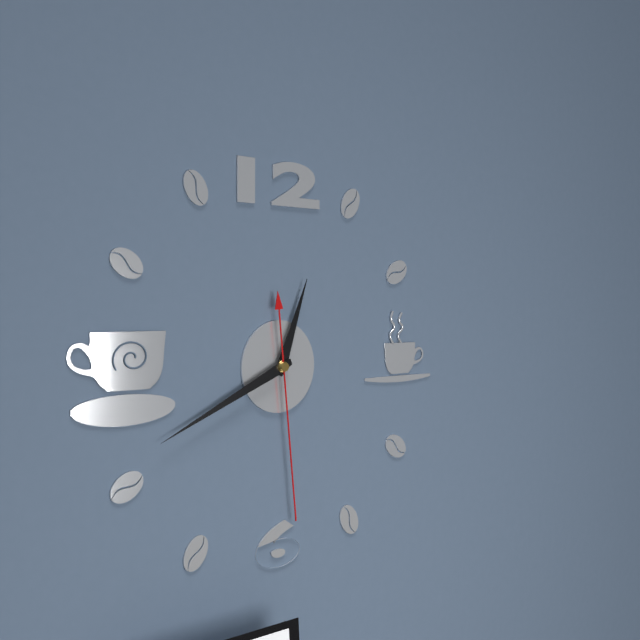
12:41:29
